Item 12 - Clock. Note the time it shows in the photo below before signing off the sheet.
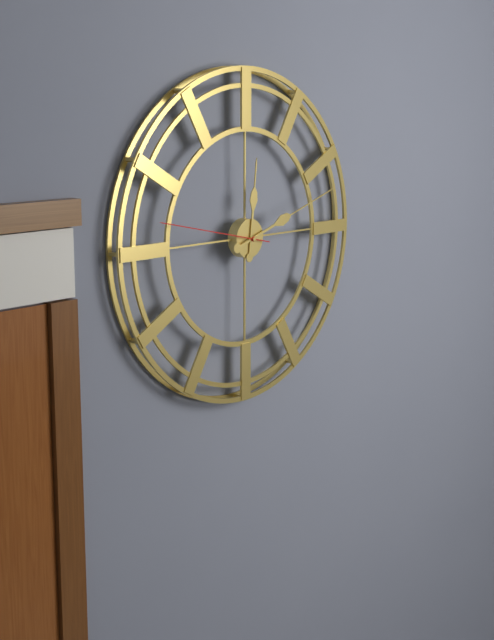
12:12:47
